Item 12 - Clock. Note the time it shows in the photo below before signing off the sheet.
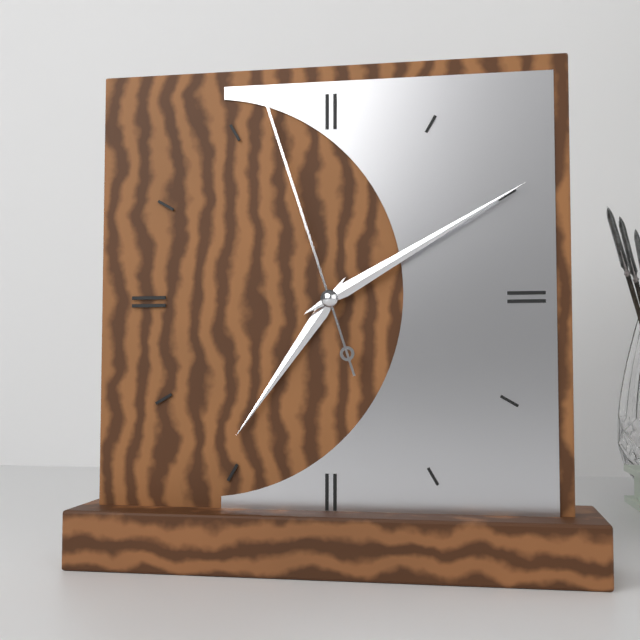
7:10:57
